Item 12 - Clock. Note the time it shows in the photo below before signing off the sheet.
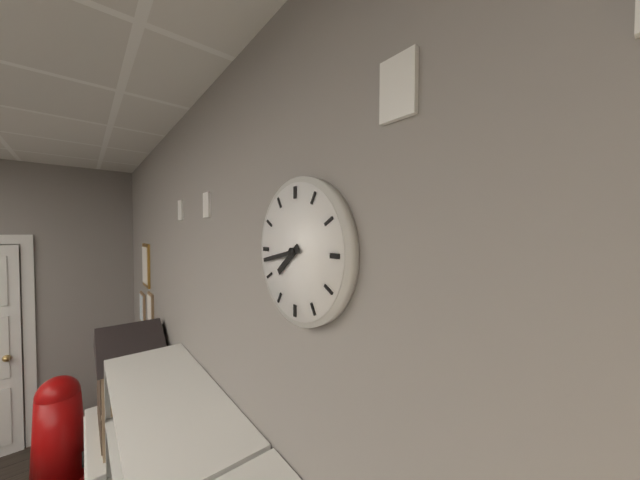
7:43
